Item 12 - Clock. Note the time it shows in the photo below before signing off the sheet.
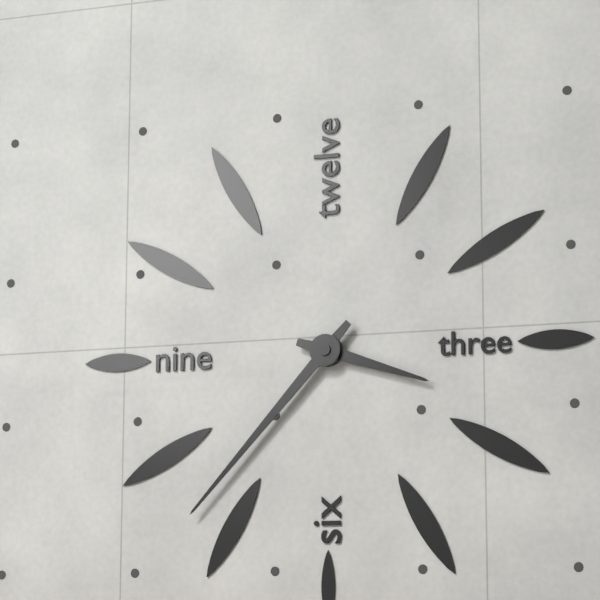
3:37
